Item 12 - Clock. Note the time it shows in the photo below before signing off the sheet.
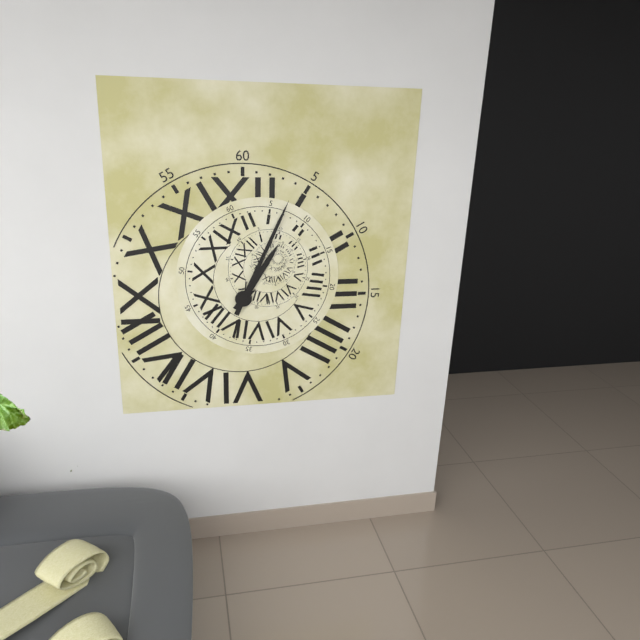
1:04
